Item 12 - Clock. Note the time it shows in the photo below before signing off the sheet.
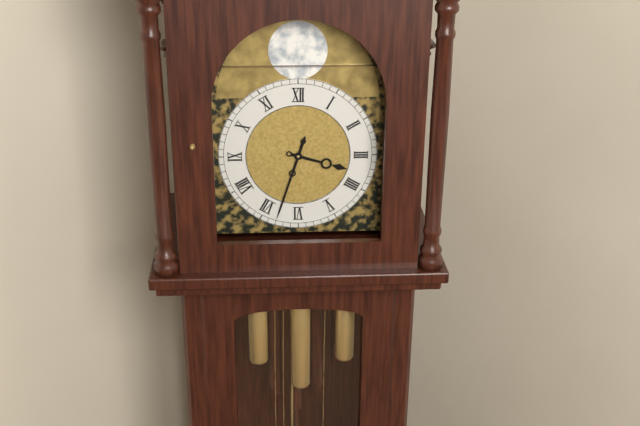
3:33
